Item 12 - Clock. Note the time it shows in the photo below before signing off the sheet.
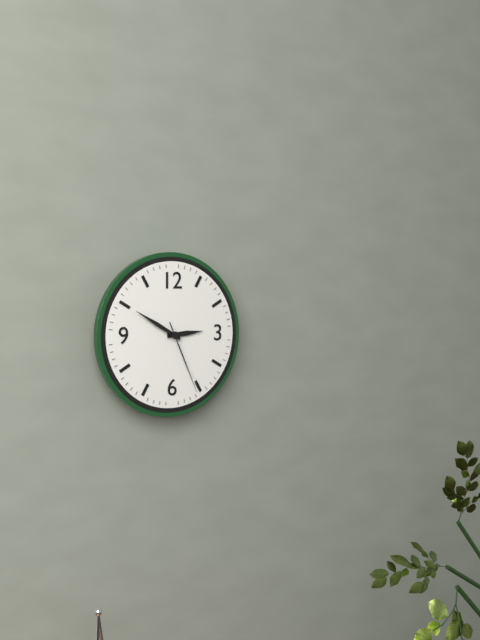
2:50:26
